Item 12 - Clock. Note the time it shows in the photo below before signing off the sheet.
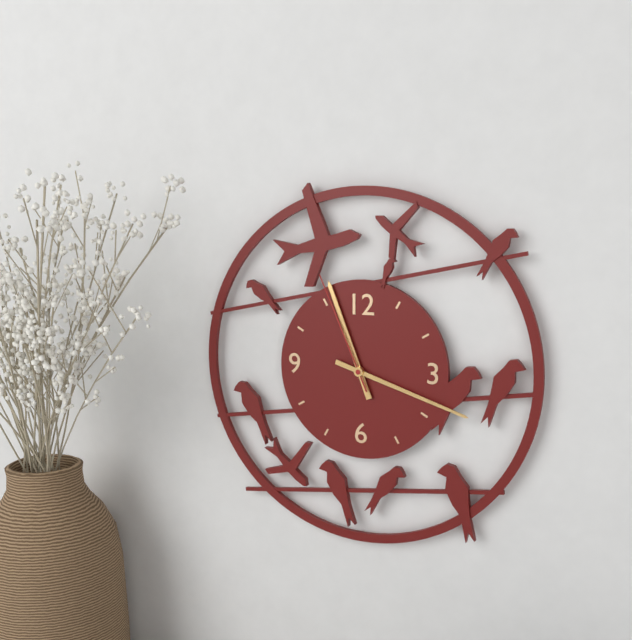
11:18:56
